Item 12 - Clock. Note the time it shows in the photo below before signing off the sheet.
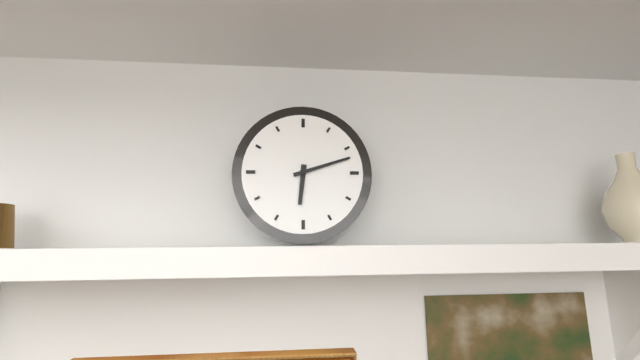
6:12
